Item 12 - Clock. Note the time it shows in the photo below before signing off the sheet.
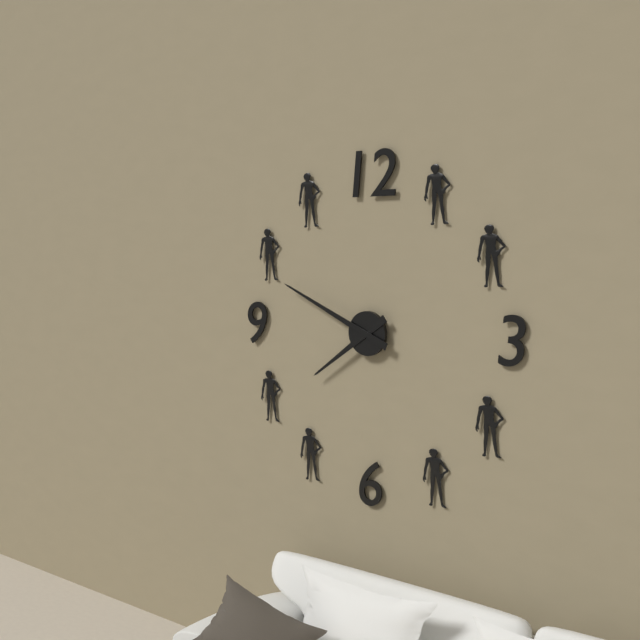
7:49
